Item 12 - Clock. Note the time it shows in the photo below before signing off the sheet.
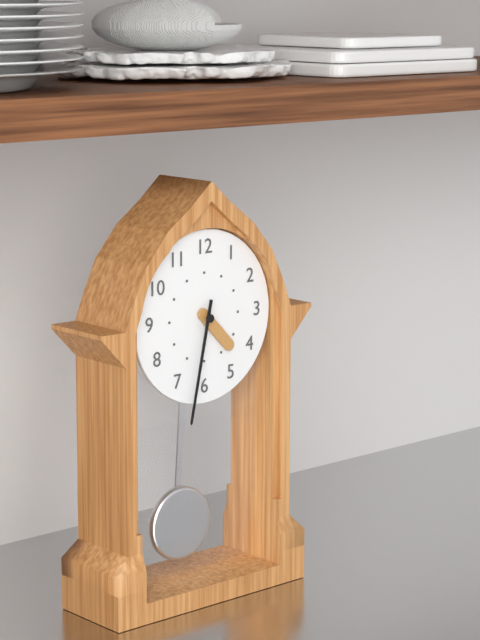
4:32
